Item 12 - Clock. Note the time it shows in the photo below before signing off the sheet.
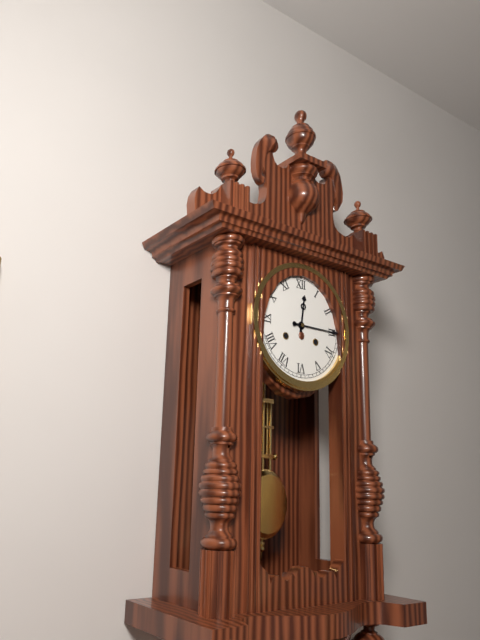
12:15
